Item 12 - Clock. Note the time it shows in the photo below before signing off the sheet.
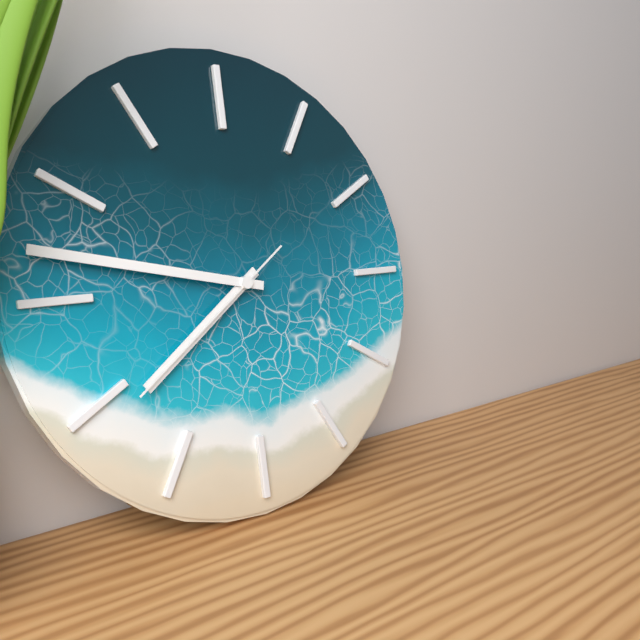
7:47:39
